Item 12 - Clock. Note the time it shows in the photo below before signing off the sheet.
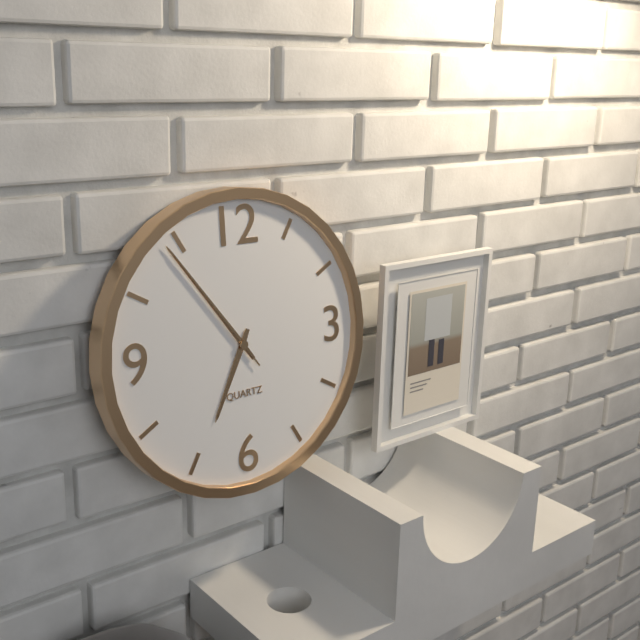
6:54:54
